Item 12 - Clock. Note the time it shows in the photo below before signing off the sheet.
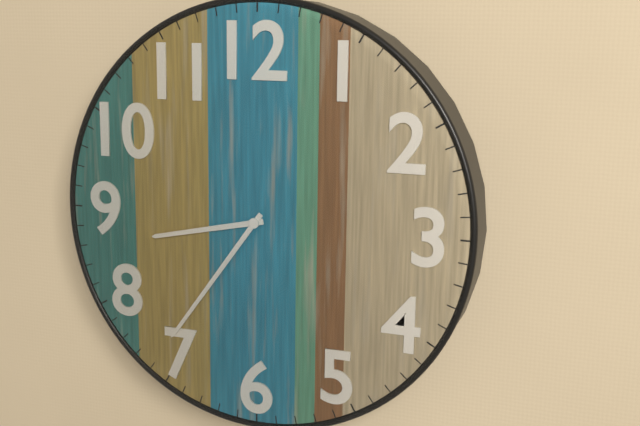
8:36
